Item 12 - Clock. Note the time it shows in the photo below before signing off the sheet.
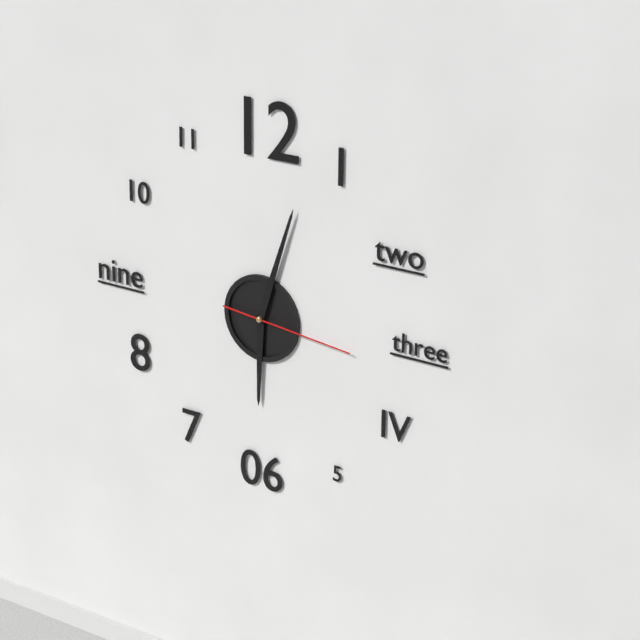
6:03:16
